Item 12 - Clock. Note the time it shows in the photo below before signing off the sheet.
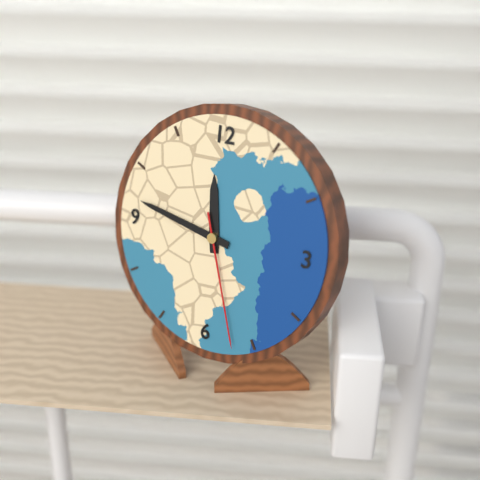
11:47:27
